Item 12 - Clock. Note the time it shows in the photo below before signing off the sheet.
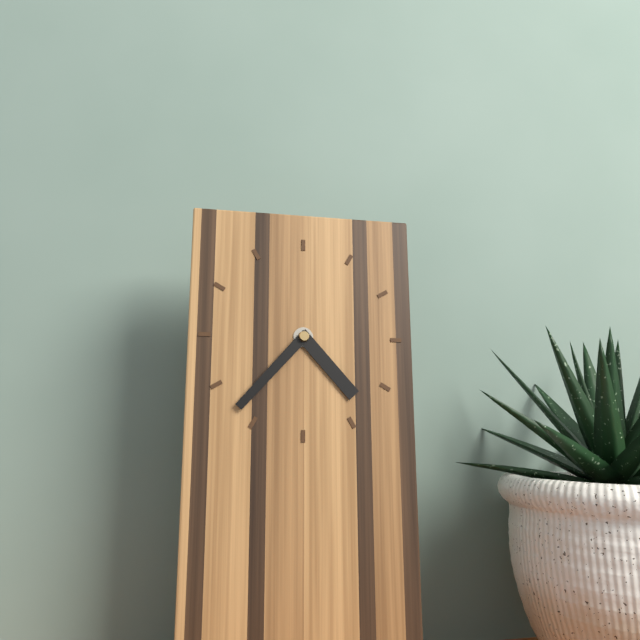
4:37
